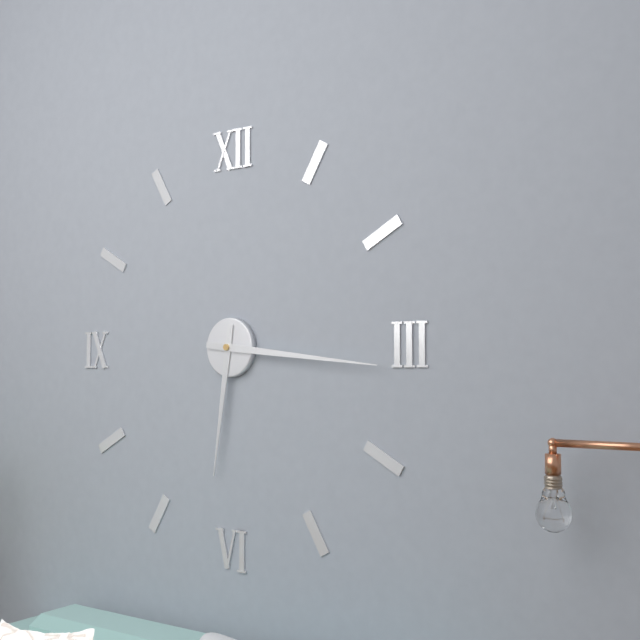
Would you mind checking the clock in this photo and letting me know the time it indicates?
6:16
